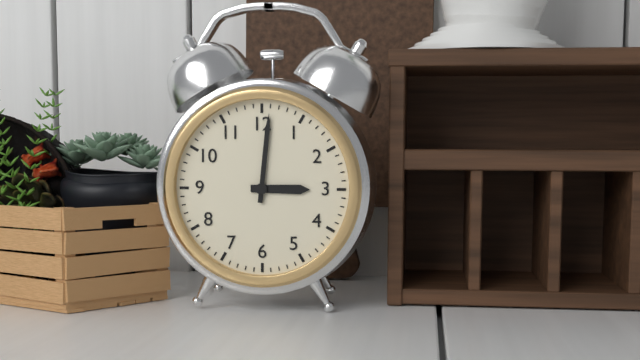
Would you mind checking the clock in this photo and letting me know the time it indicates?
3:01
